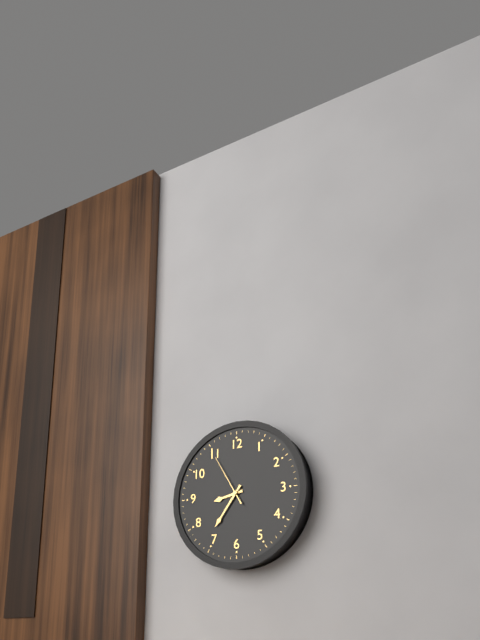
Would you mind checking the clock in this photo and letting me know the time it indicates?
8:36:55
